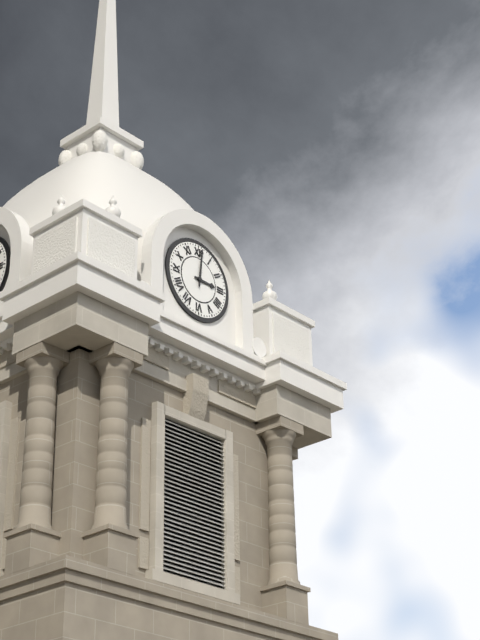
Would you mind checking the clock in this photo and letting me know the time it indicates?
3:01
